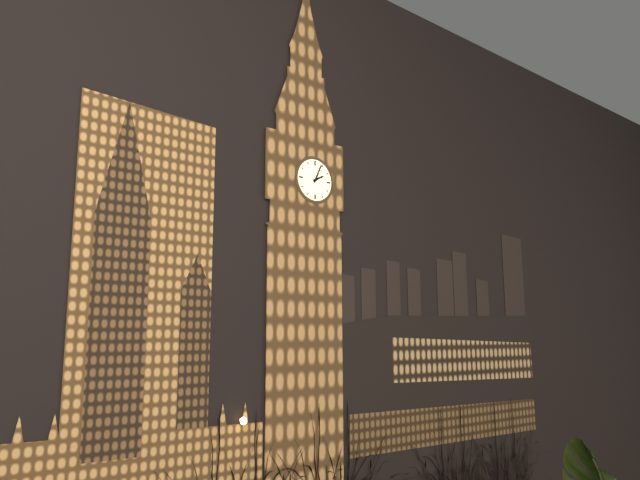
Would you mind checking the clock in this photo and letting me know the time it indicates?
2:04
